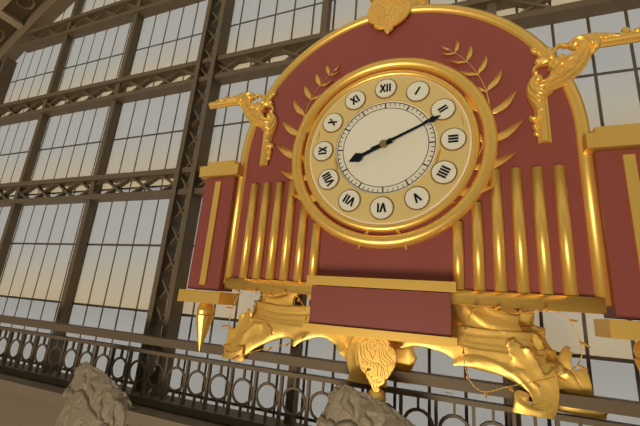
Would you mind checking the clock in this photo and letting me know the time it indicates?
8:11
